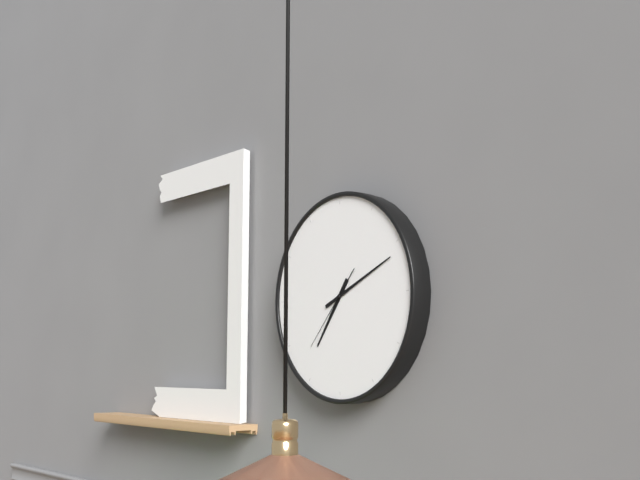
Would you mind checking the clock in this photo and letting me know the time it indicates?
7:11:37
